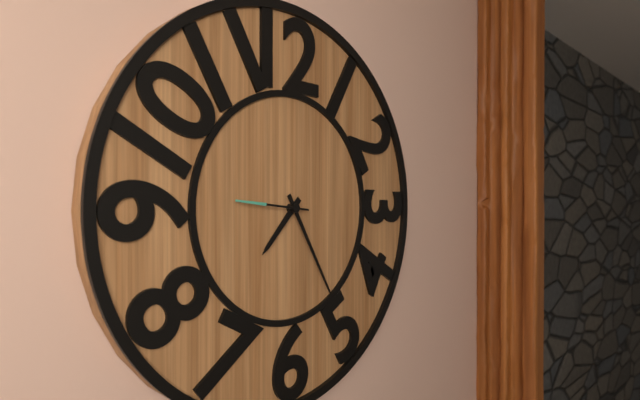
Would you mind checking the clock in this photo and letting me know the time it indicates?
7:25:46
